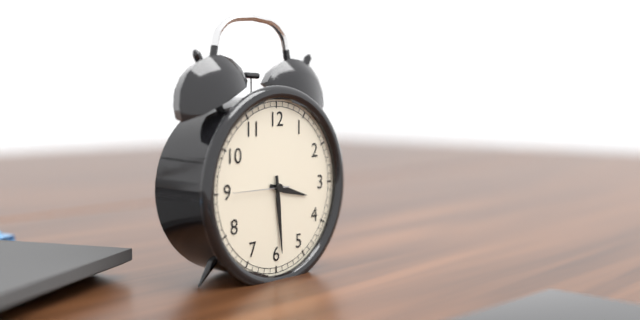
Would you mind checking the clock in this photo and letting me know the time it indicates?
3:29:45
